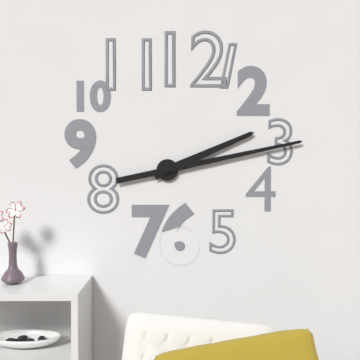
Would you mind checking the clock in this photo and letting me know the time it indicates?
2:13
